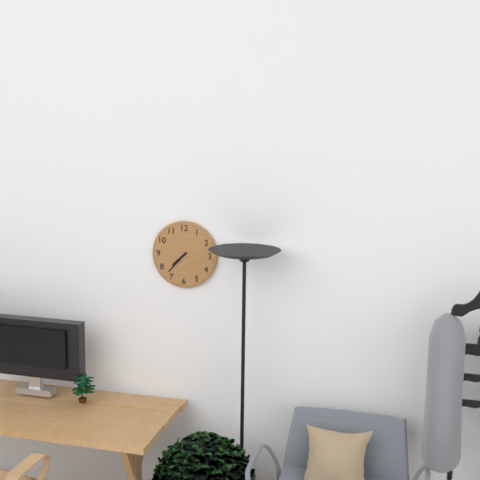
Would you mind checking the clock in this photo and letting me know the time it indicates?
7:37
